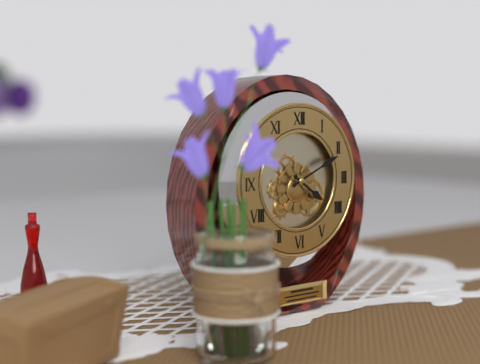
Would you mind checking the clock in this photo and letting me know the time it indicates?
4:11
